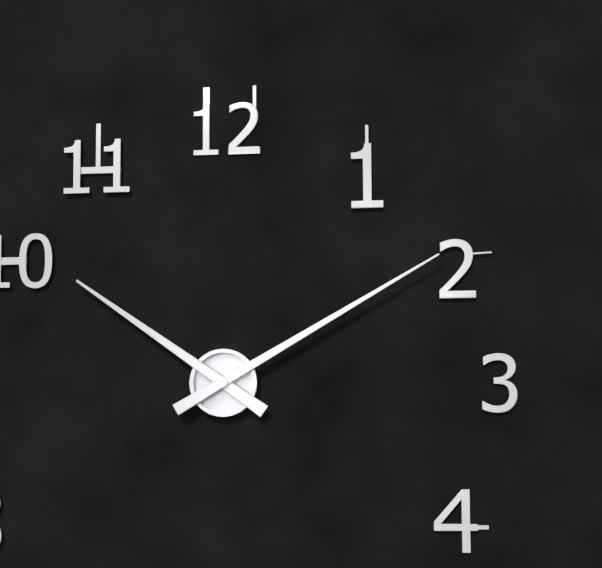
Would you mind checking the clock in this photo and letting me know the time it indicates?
10:10
